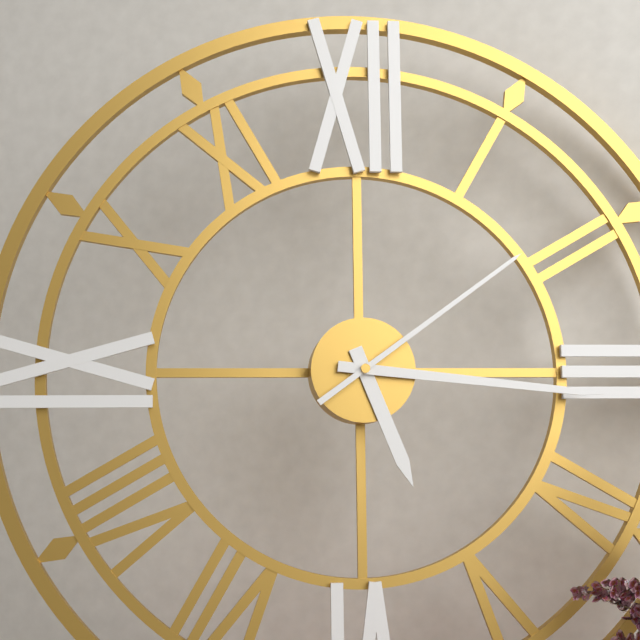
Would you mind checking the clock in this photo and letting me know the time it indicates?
5:16:09
